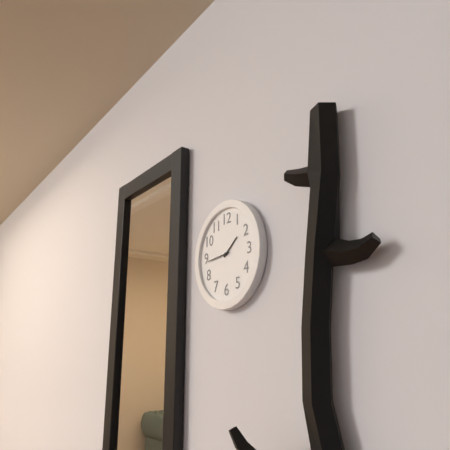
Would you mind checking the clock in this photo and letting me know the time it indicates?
1:44
